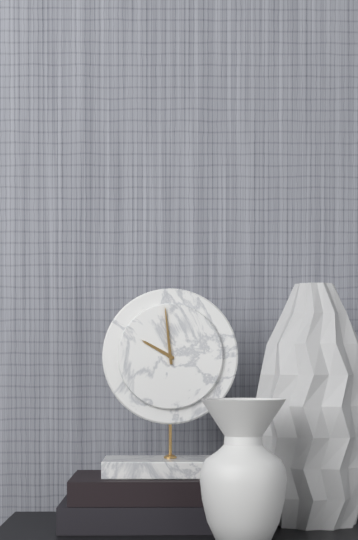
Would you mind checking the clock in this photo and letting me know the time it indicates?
9:59
